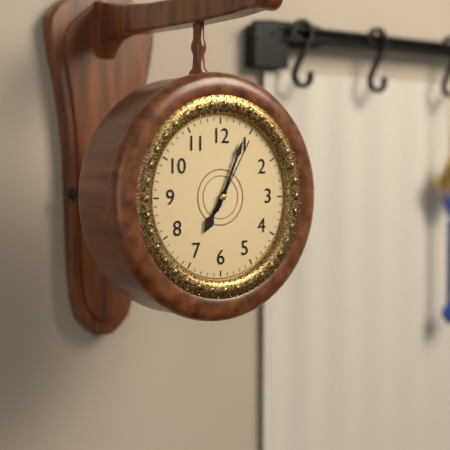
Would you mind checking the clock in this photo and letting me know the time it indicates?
7:04:05
